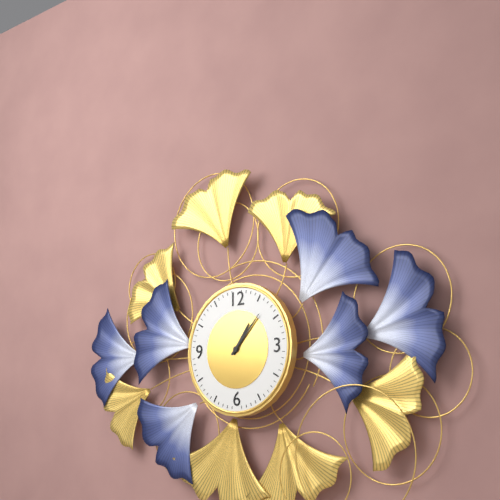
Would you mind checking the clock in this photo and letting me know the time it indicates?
1:07
